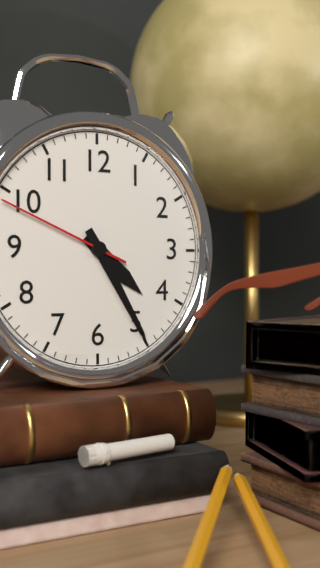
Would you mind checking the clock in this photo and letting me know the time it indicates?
4:25:49
